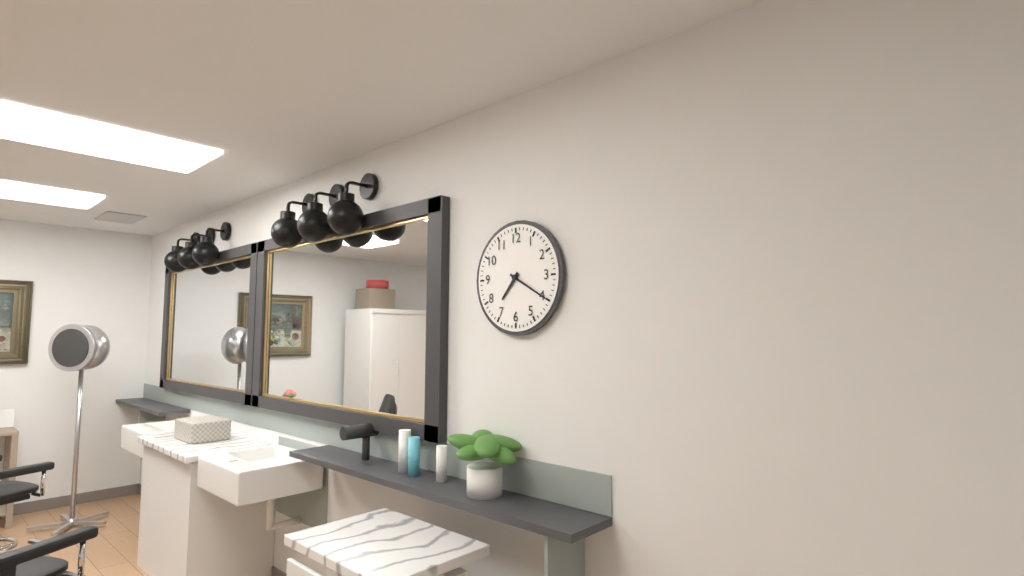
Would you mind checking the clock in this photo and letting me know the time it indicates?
7:20
